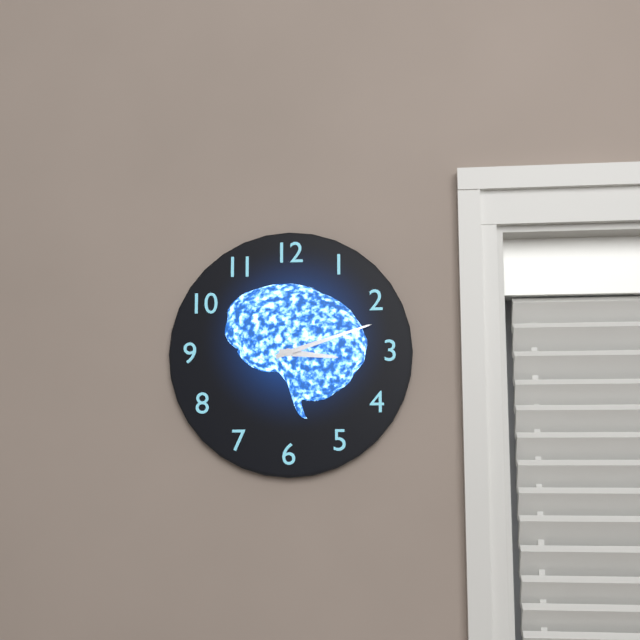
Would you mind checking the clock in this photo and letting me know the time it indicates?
3:12
